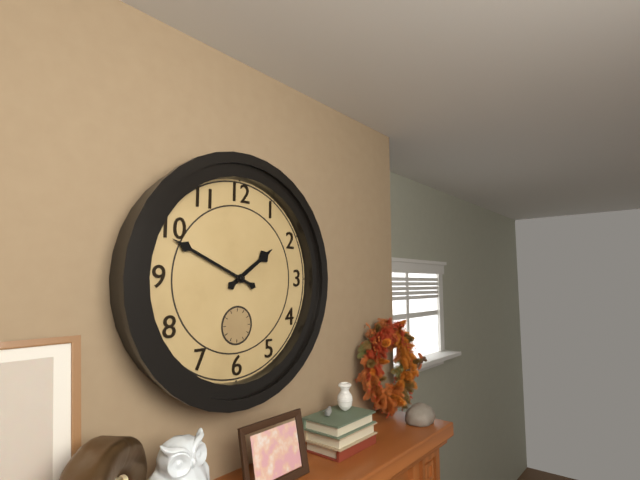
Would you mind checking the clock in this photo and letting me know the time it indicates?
1:49
